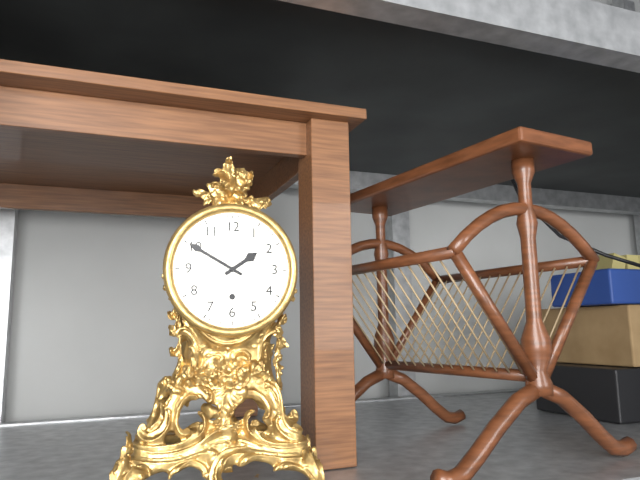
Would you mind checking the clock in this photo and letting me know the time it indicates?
1:50
